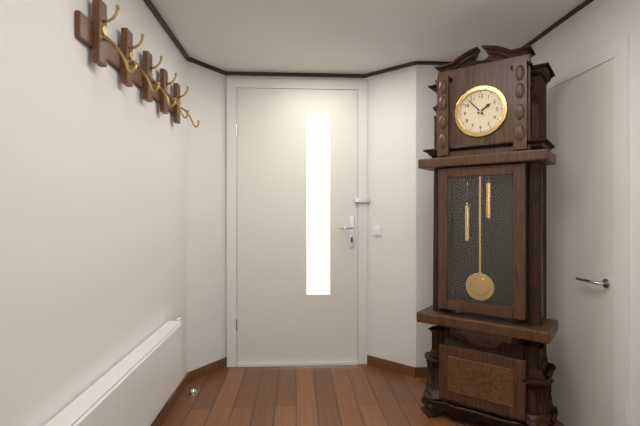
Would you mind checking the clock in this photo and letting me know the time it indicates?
1:53
